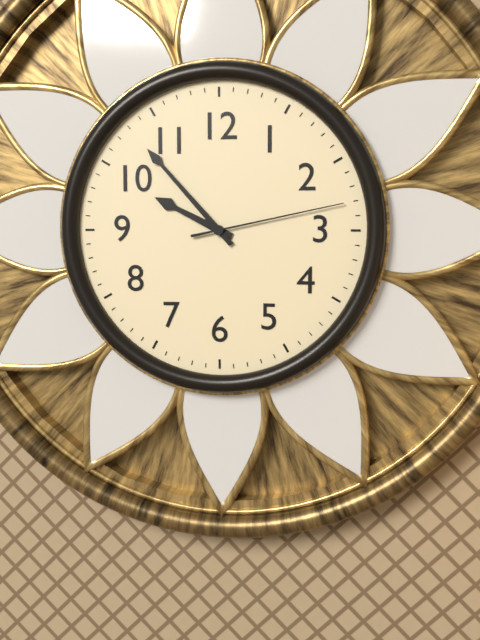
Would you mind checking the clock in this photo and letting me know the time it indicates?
9:53:13
